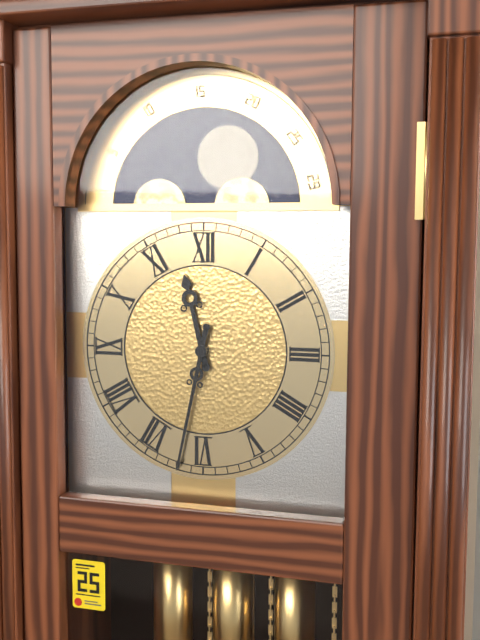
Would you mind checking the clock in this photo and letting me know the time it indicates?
11:32
